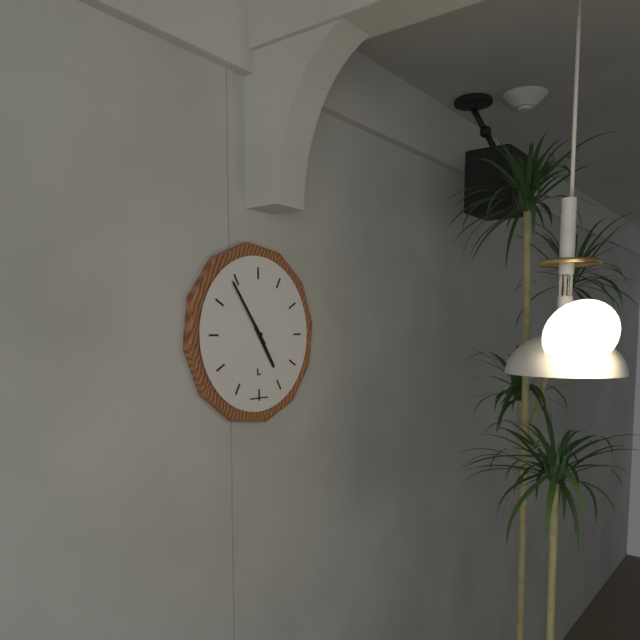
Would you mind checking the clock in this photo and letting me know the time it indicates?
4:54
